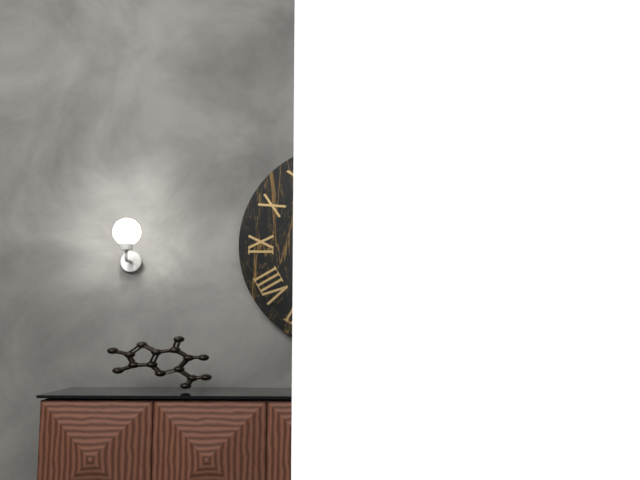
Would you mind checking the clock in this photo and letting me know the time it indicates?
1:54
